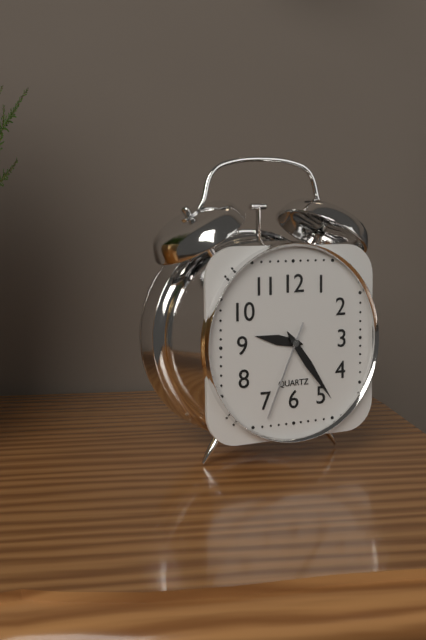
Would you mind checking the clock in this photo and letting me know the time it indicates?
9:24:34
